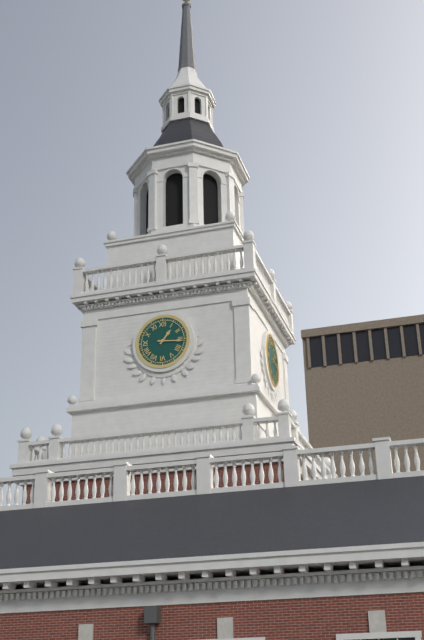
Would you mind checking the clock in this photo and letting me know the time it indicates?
1:16
